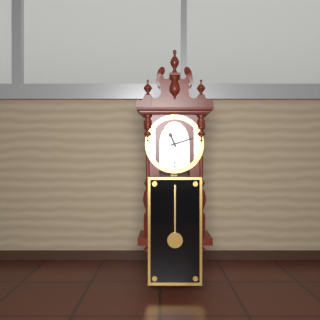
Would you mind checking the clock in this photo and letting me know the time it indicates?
11:12
